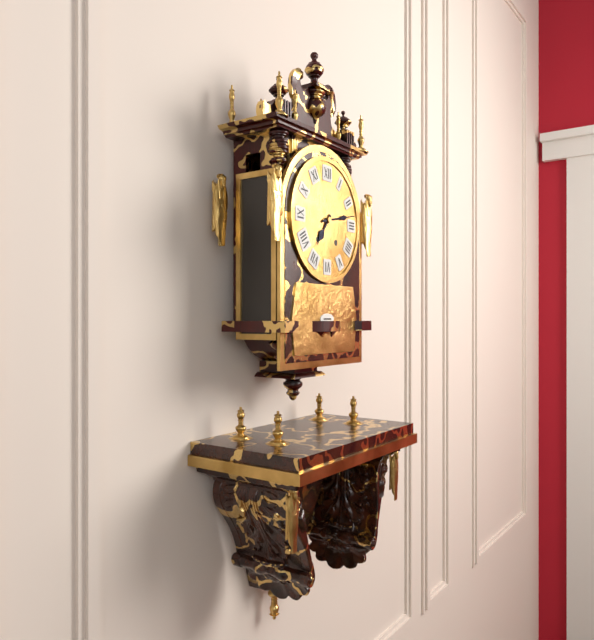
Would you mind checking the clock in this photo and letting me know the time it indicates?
7:13
